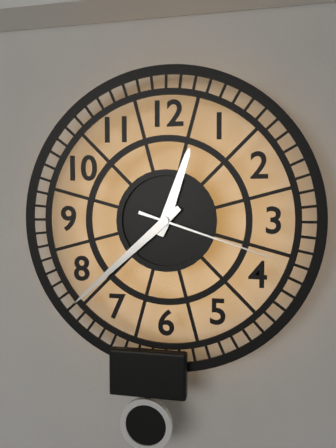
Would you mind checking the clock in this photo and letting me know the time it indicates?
12:38:18
